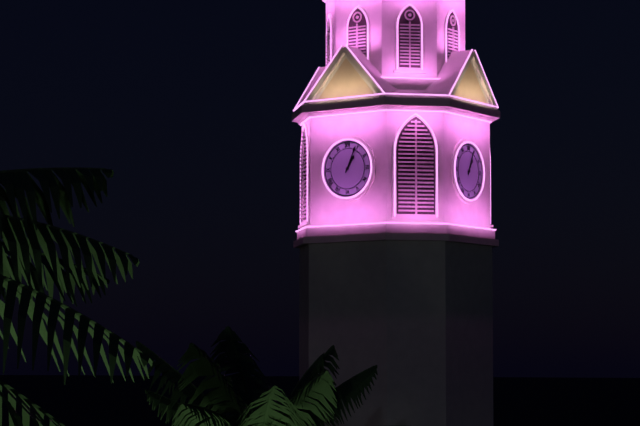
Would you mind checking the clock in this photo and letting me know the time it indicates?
1:04
